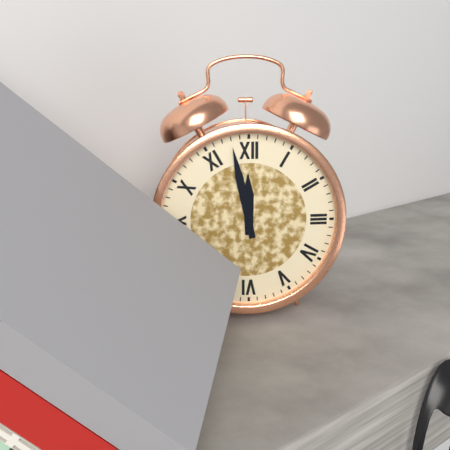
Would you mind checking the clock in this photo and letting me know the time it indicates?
11:58
